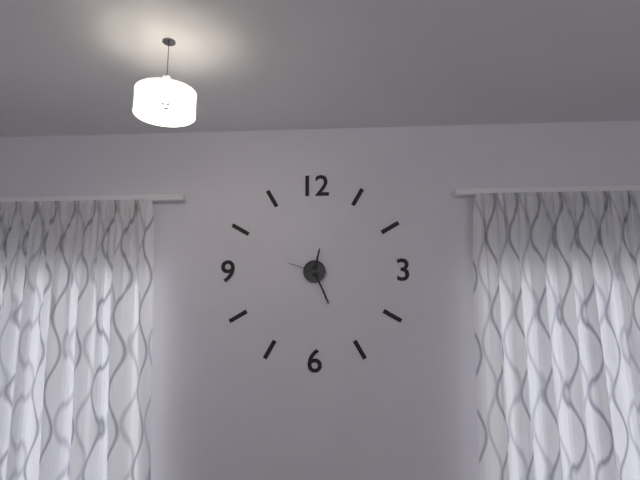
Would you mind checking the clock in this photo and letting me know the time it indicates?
12:26
